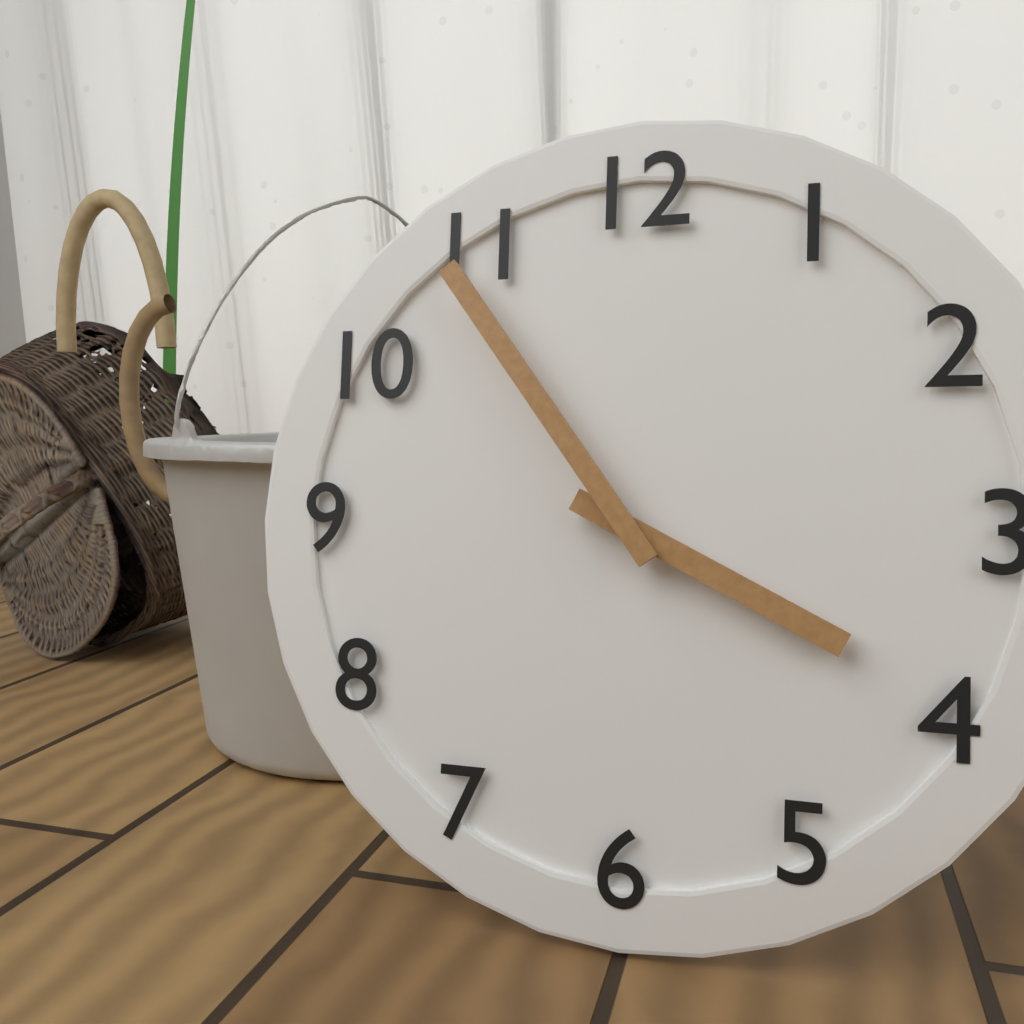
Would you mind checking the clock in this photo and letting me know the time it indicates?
3:54
